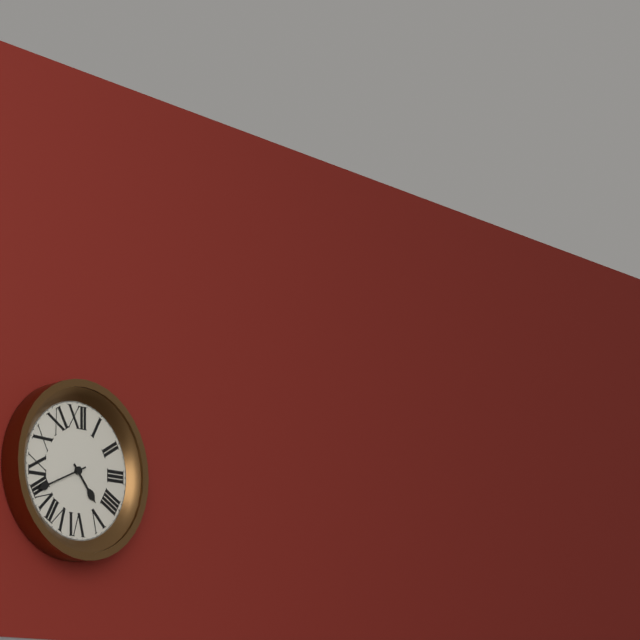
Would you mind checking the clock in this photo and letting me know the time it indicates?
4:41
